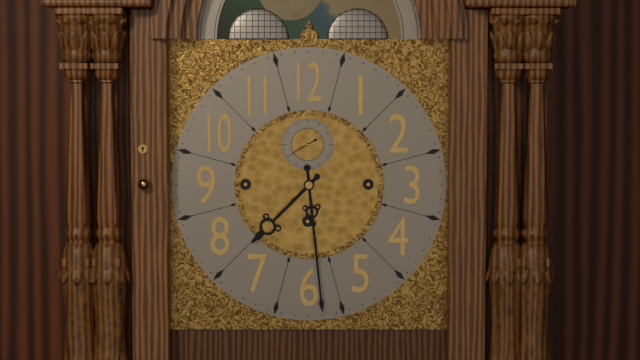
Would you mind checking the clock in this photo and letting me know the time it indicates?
7:29
